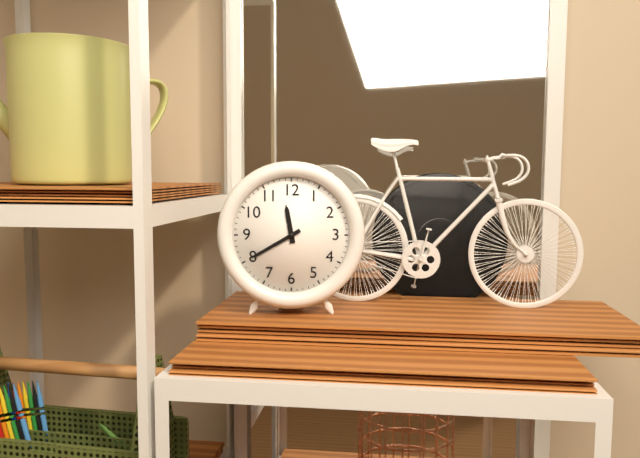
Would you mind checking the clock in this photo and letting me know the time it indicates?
11:40
